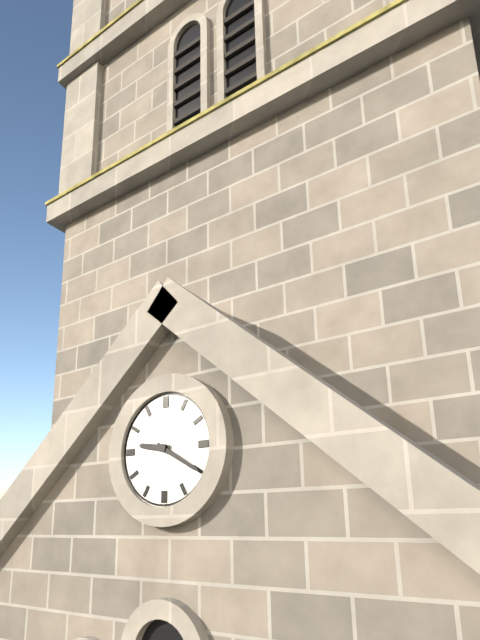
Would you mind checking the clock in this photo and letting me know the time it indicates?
9:20
